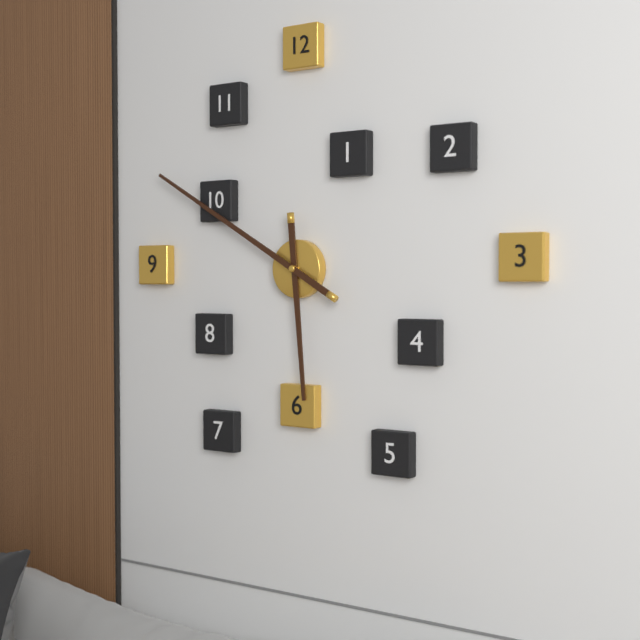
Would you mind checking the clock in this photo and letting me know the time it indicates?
5:50
